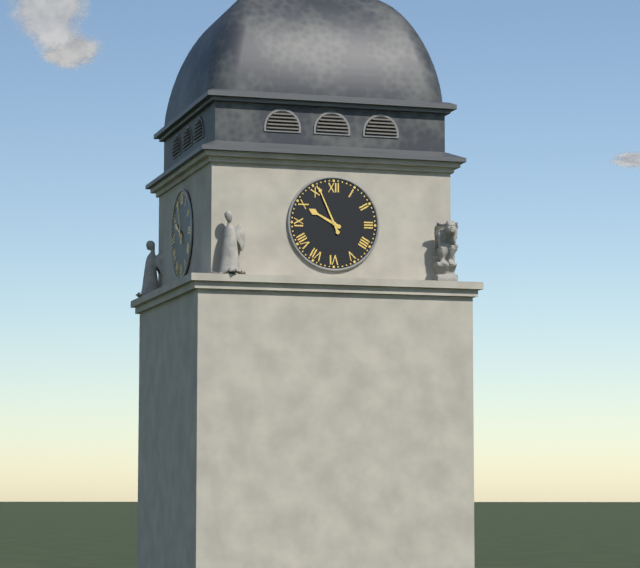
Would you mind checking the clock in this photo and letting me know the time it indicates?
9:56
